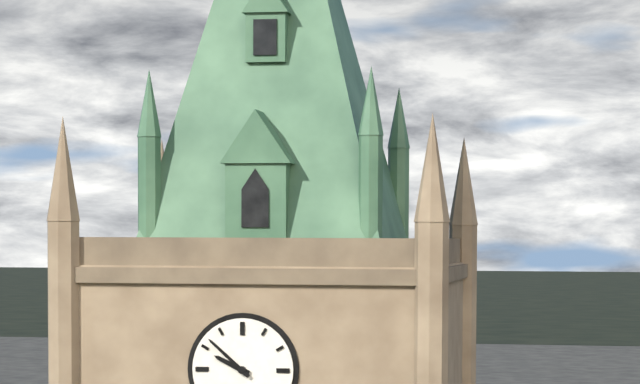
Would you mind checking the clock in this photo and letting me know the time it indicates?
9:52
